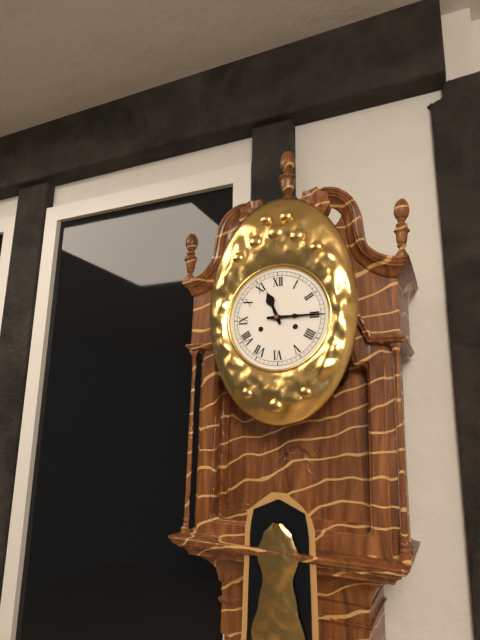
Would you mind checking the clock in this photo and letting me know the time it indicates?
11:15
